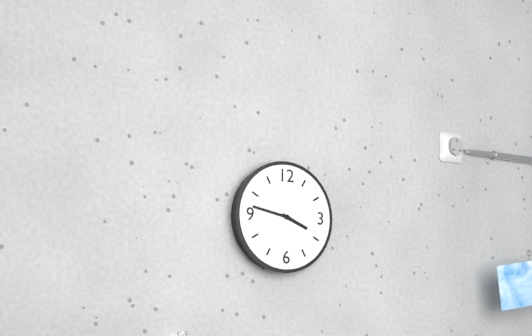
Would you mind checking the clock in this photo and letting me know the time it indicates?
3:47
